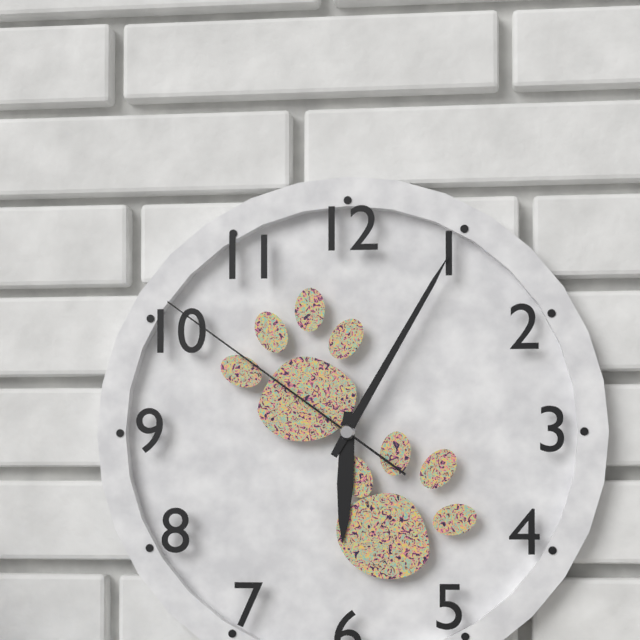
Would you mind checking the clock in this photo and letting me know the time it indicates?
6:05:51
